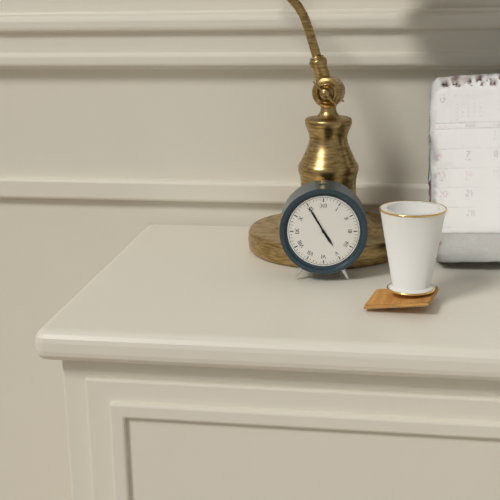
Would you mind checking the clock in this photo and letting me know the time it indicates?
4:55
